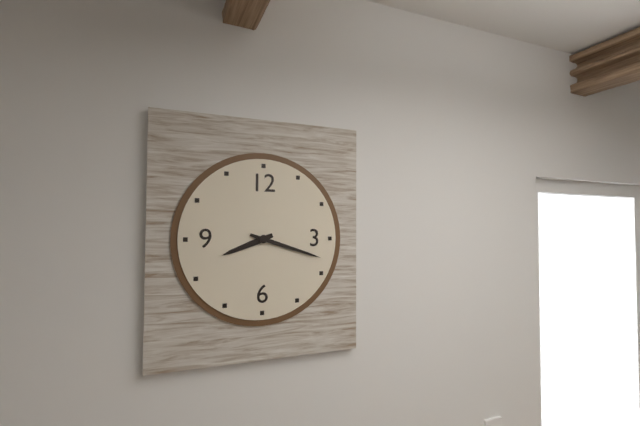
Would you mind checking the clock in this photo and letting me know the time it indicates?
8:18
